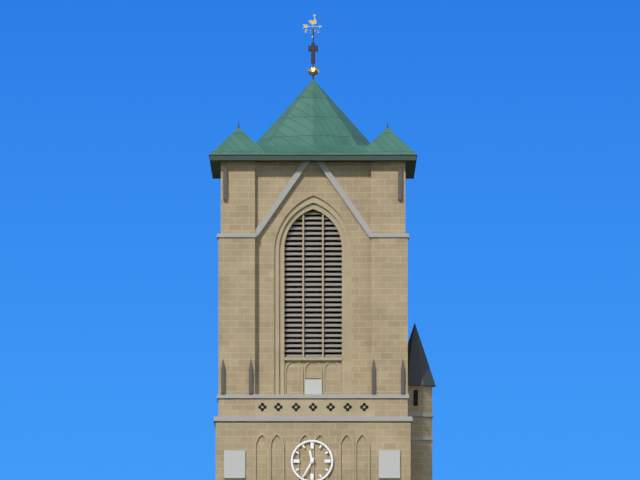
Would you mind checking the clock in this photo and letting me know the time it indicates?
11:35
